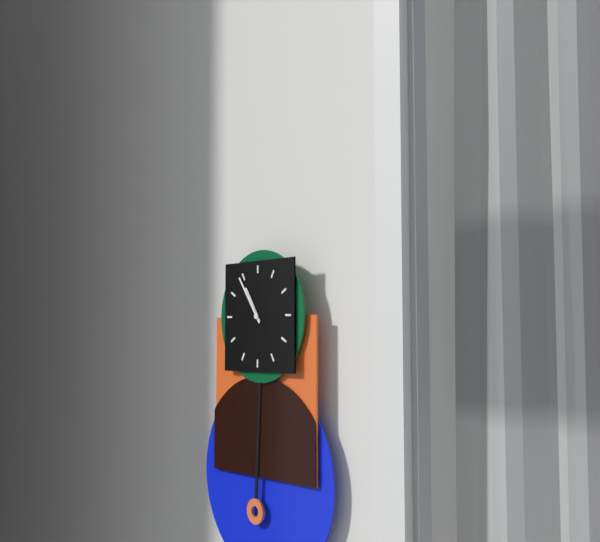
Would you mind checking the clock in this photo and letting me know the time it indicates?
10:54
